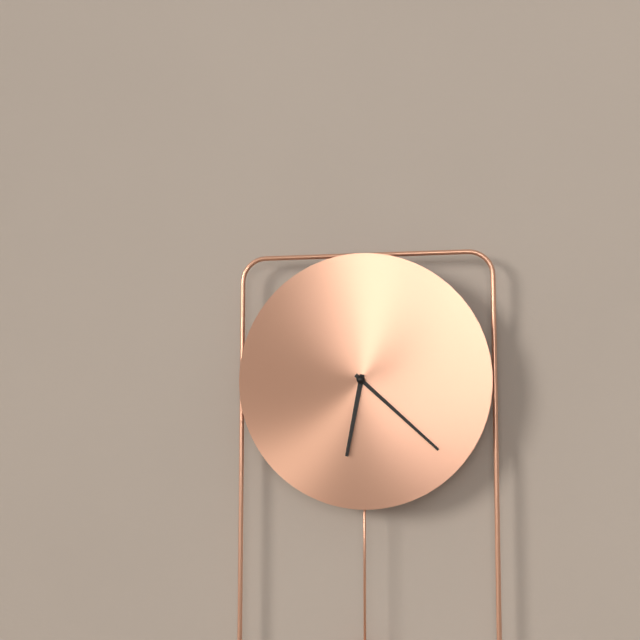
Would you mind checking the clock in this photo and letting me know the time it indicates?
6:22
